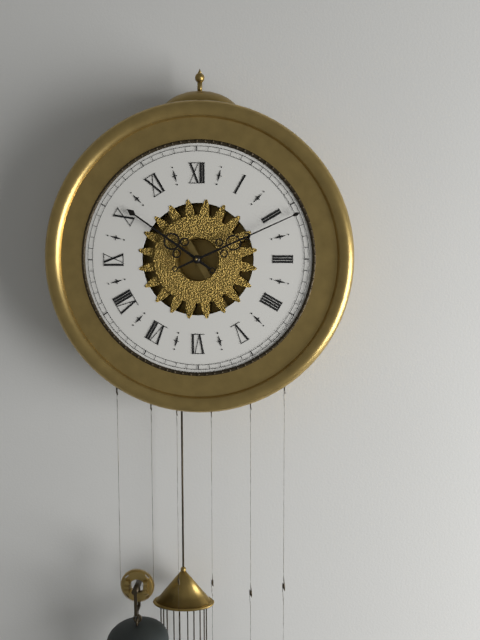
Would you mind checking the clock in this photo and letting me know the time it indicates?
10:11
